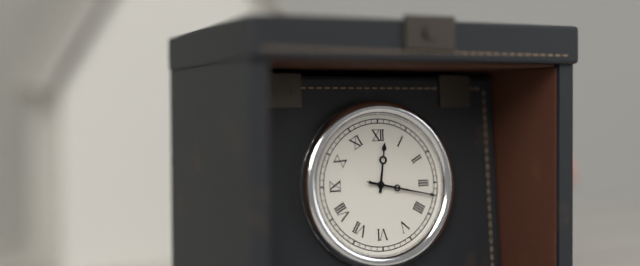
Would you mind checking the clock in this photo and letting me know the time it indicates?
12:17:17
